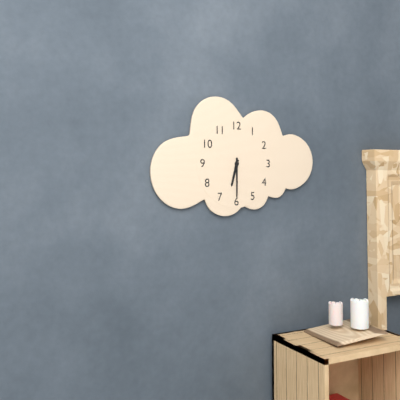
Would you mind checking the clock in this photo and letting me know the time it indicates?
6:30
